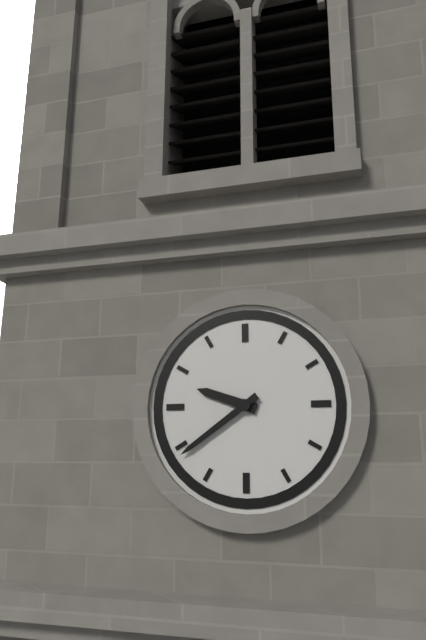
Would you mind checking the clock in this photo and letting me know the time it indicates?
9:39
